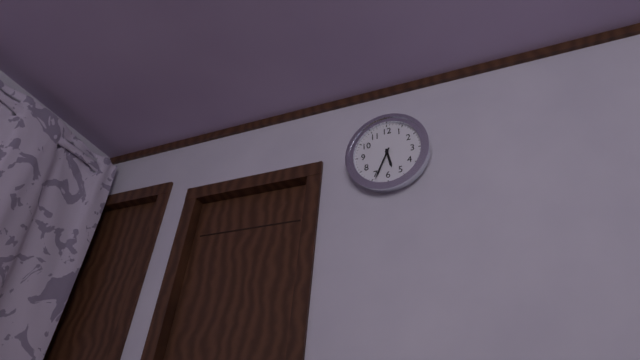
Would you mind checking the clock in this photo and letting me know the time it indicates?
5:34
